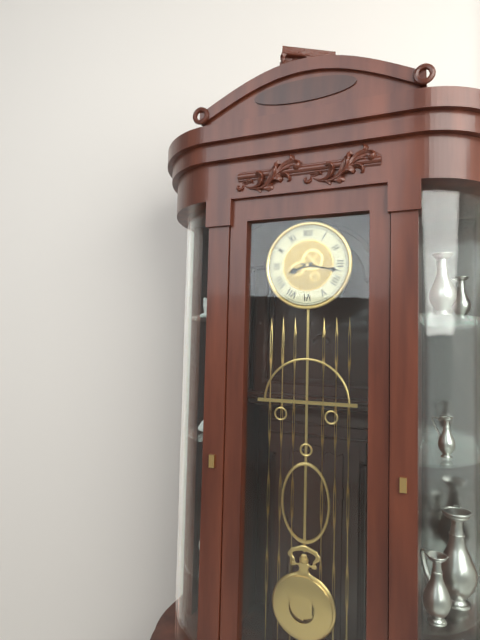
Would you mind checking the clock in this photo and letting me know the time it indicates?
8:17
